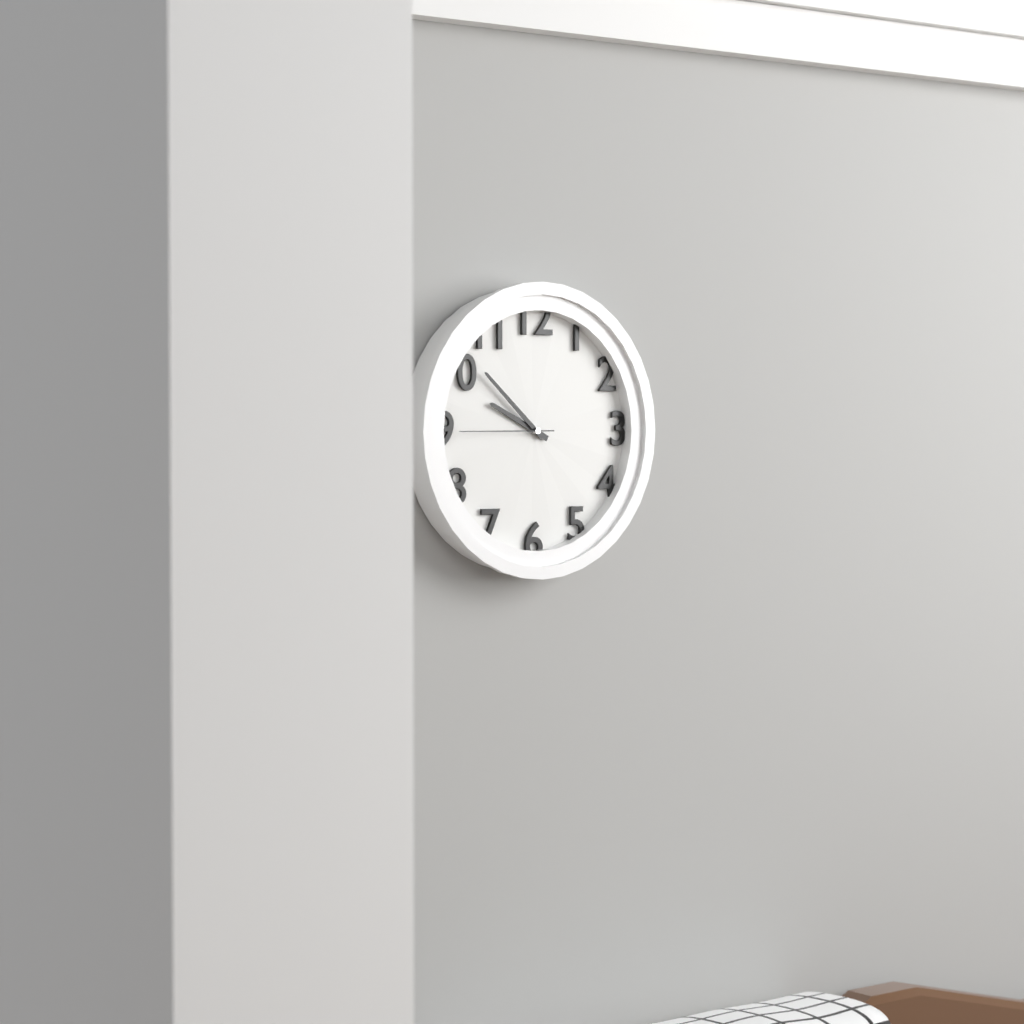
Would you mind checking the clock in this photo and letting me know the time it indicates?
9:52:45
